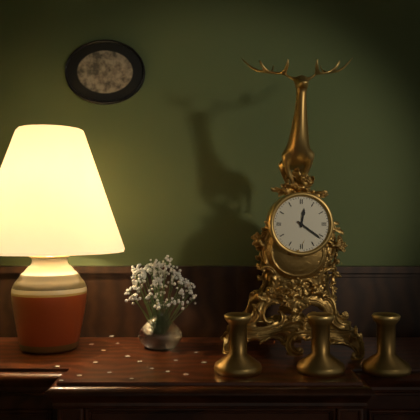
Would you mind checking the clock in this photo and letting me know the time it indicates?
12:21
